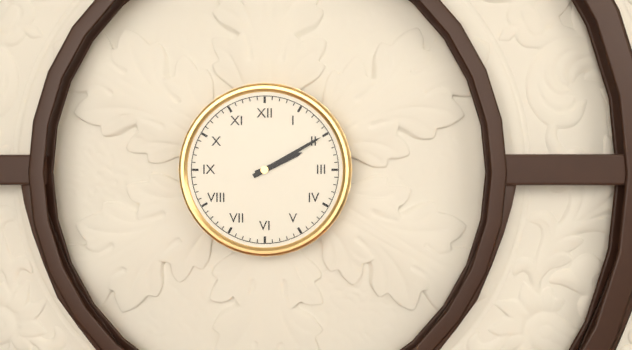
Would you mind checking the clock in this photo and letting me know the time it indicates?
2:10
